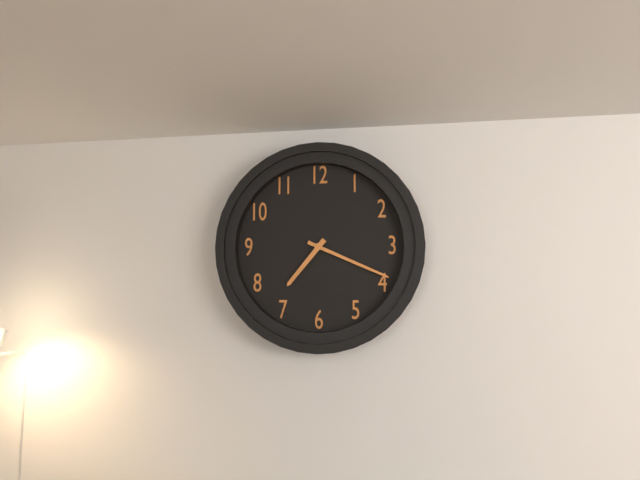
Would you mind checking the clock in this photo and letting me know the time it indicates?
7:19
